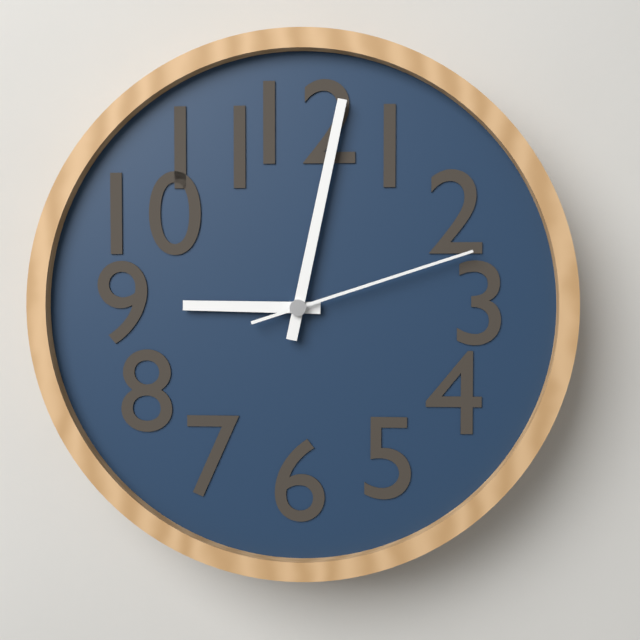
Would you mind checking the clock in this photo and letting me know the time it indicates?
9:02:12
